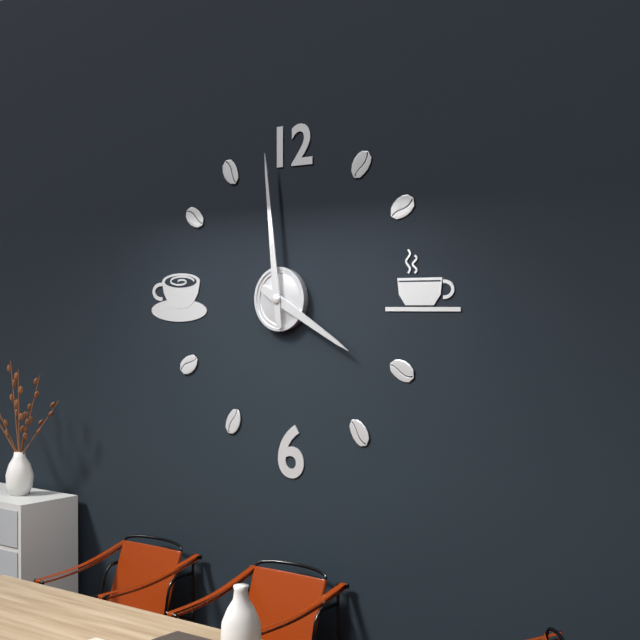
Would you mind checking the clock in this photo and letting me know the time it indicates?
3:59
